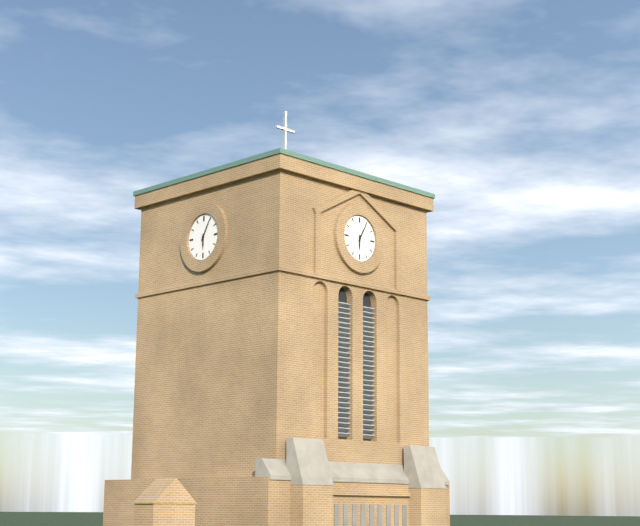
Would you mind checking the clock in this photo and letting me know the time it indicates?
6:05
